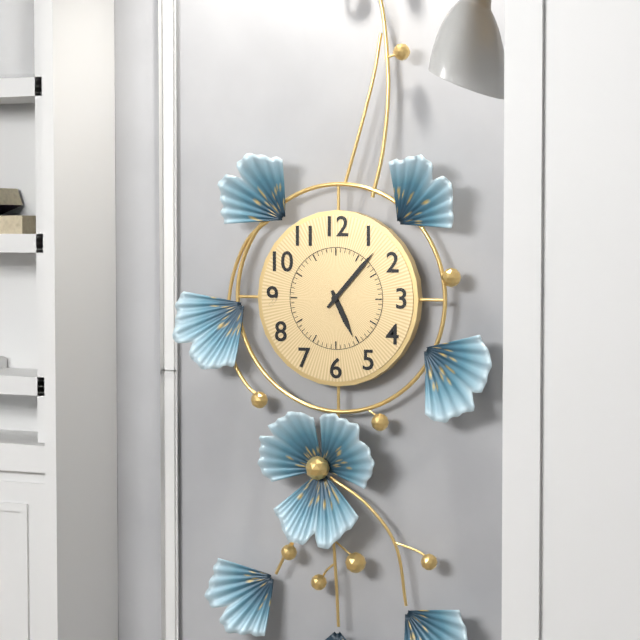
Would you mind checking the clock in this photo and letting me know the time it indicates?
5:07
